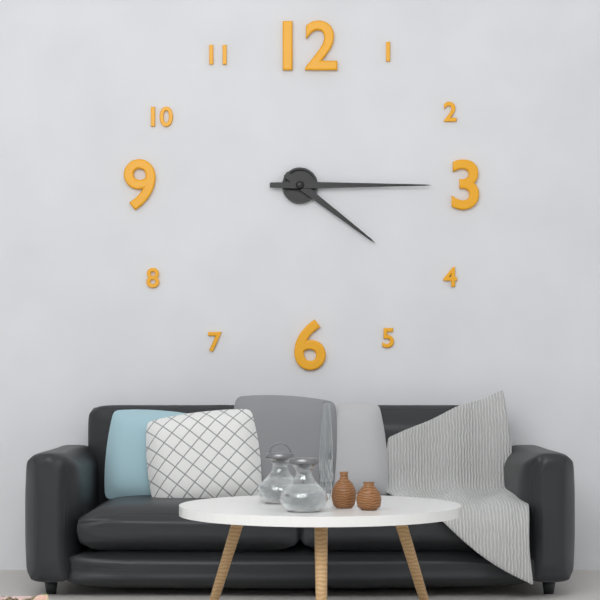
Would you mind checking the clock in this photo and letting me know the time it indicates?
4:15
